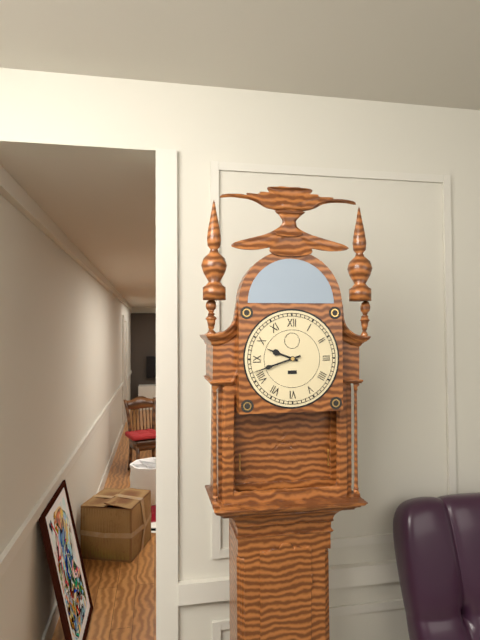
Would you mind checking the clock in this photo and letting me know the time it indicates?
9:42
